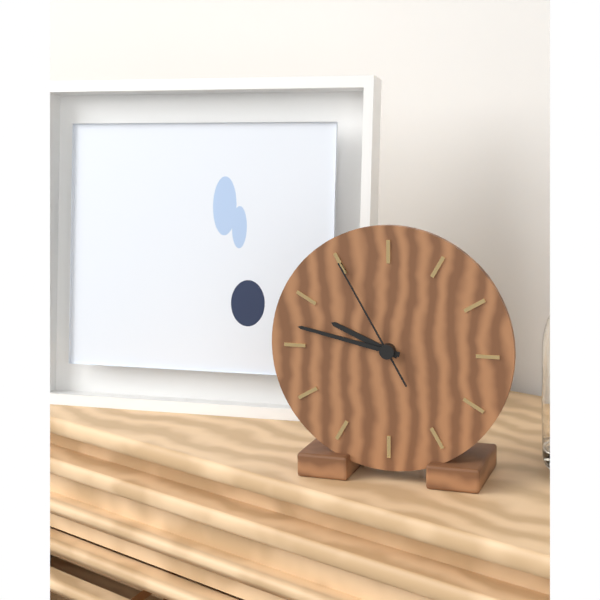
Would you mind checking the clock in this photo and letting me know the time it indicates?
9:47:55
